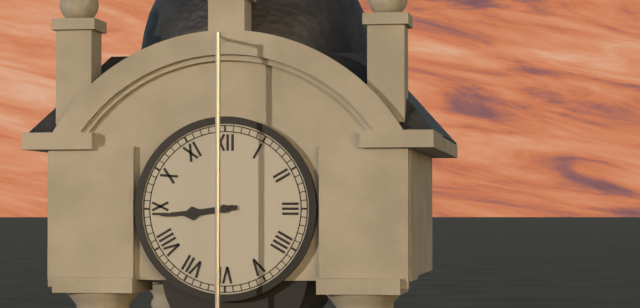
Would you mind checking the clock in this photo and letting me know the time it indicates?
8:44
